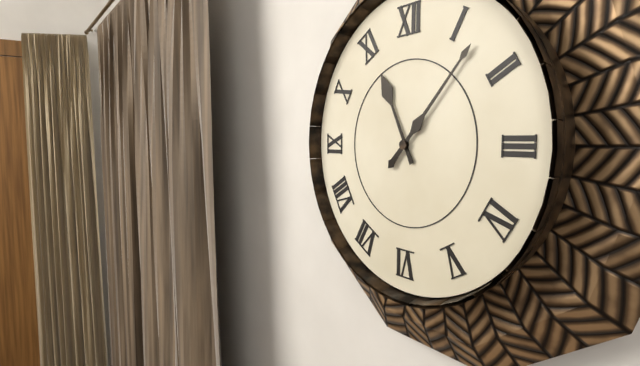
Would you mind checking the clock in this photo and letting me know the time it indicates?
11:07
